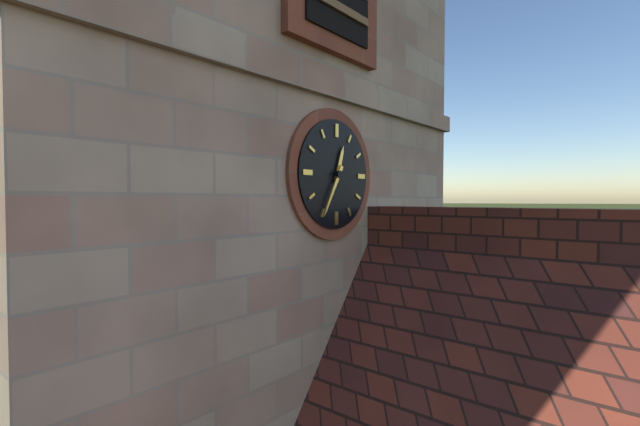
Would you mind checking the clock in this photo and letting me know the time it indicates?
12:35
